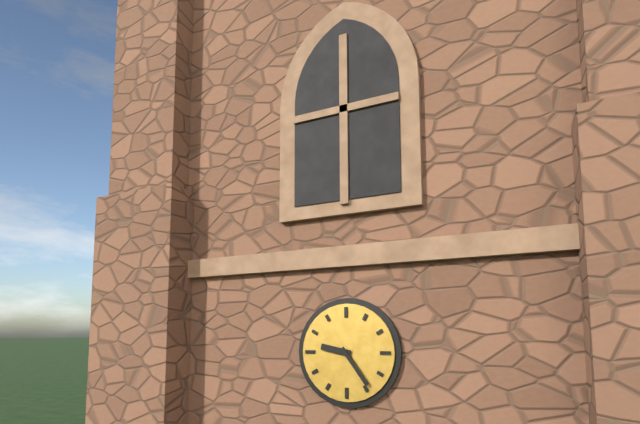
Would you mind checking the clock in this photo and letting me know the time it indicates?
9:24
